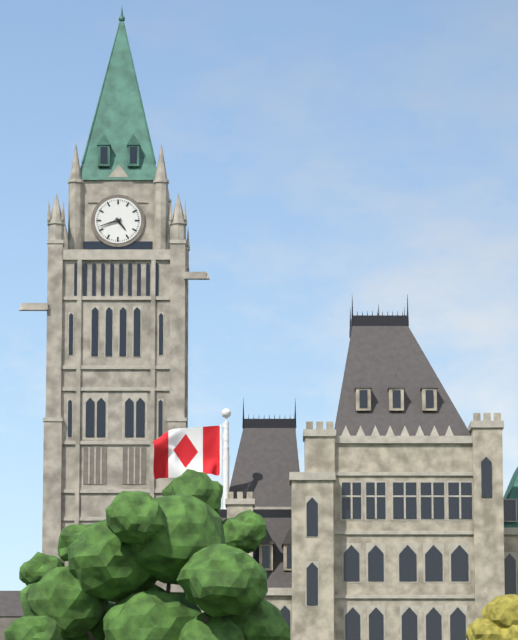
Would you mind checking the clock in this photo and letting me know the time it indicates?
4:42
